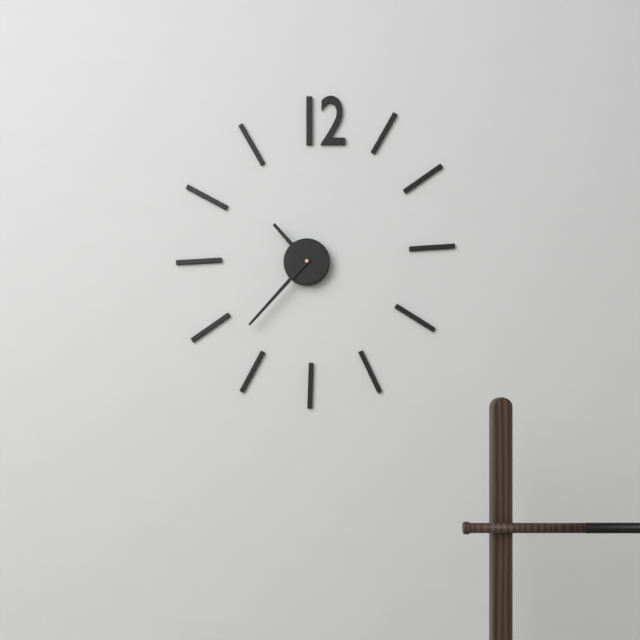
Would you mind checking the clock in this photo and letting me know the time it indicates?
10:37
